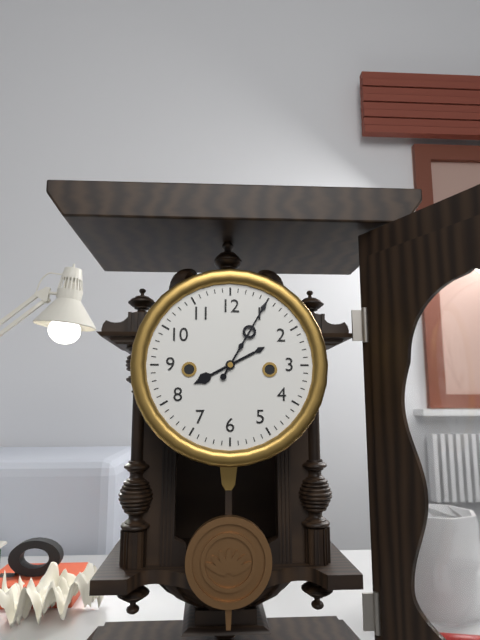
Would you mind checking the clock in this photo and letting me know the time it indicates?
8:05
